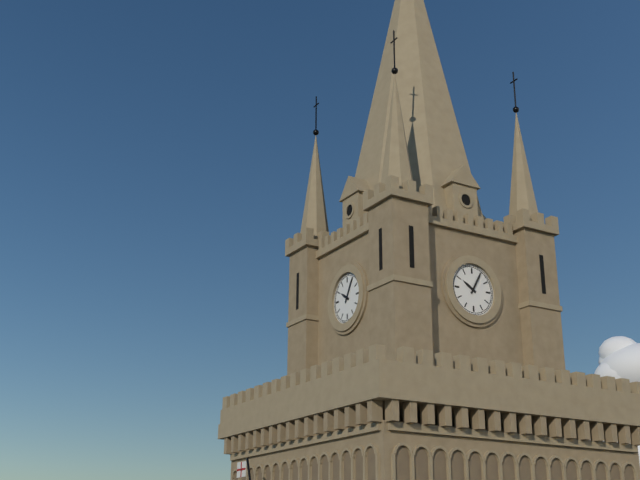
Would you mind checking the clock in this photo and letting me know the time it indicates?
10:05
